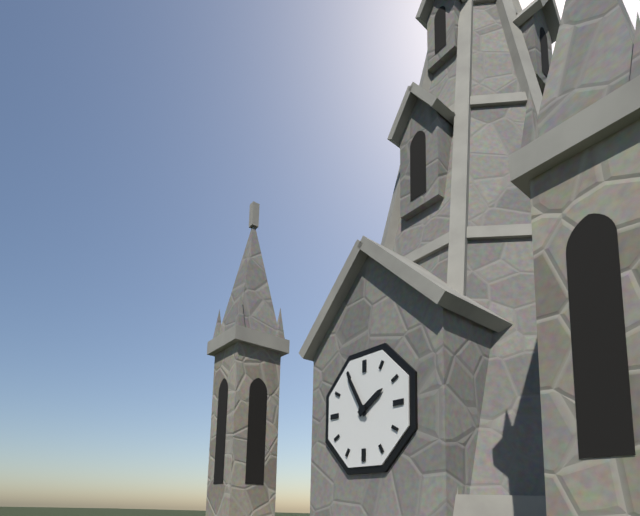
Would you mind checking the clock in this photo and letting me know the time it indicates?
1:55
